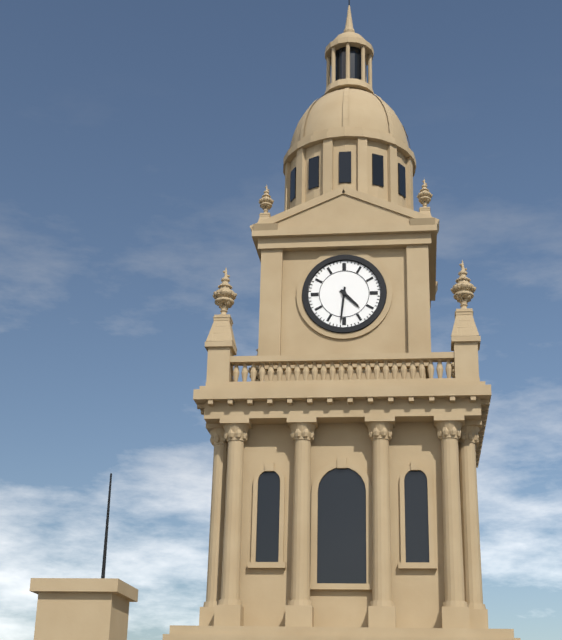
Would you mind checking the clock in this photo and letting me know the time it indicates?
4:31
